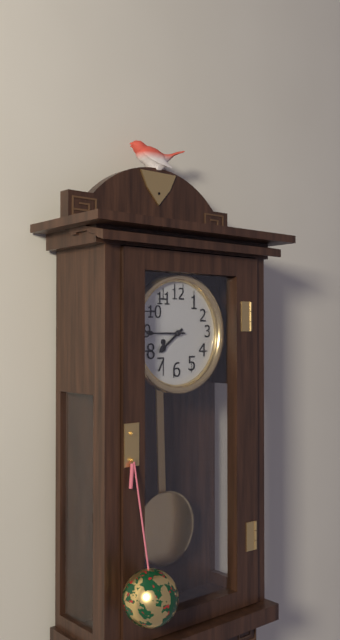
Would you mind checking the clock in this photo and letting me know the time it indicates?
7:45
